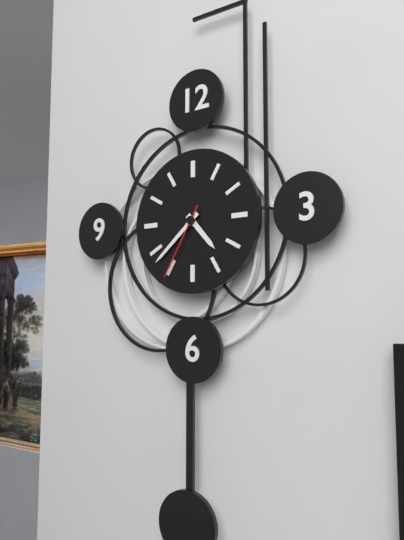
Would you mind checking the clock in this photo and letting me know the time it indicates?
4:38:35
